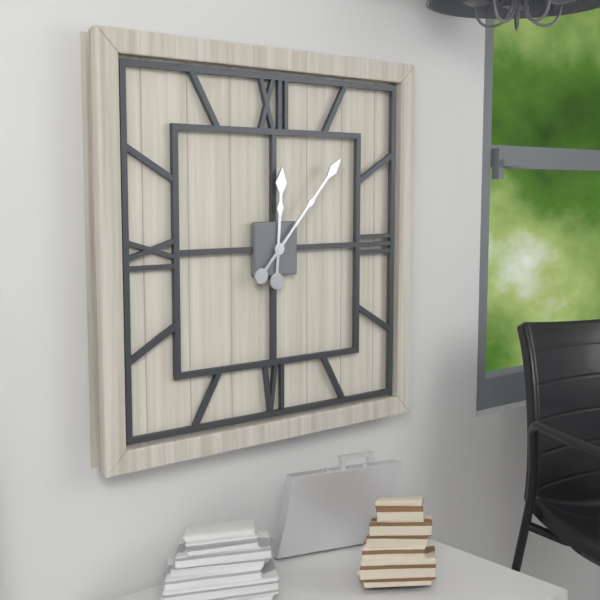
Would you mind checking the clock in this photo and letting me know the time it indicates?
12:07
